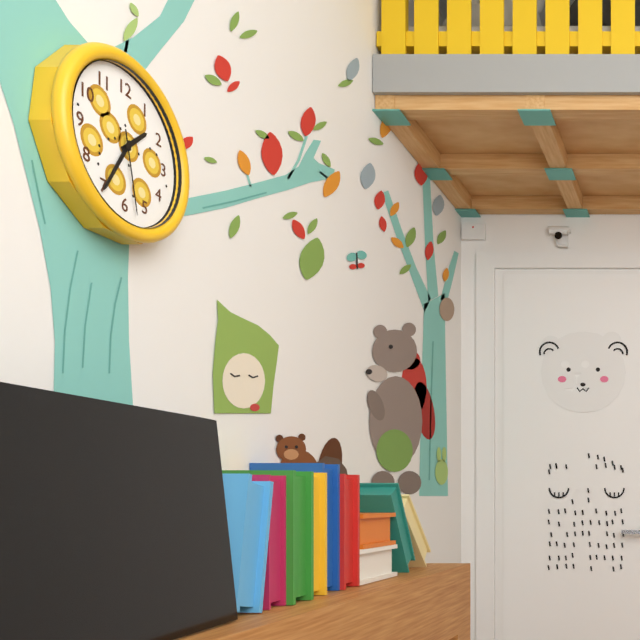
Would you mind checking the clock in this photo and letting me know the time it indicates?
1:35:28
